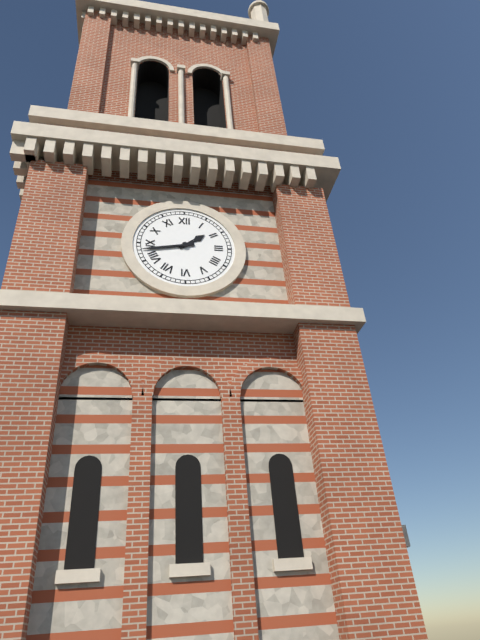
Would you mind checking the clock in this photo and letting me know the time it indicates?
1:43
